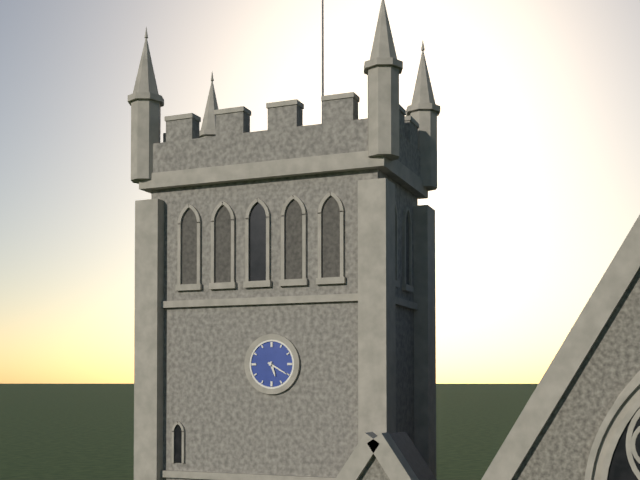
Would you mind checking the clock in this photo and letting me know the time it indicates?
5:20
